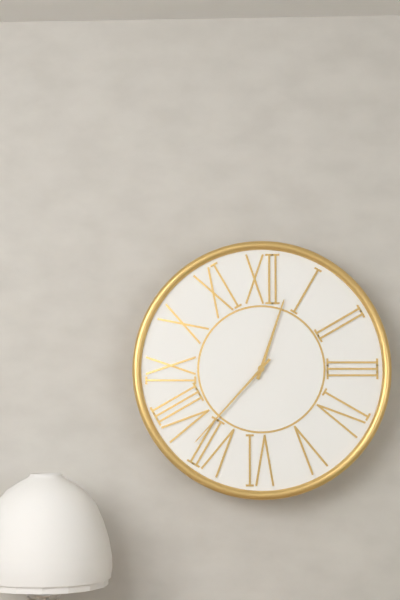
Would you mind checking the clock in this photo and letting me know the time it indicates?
12:37
